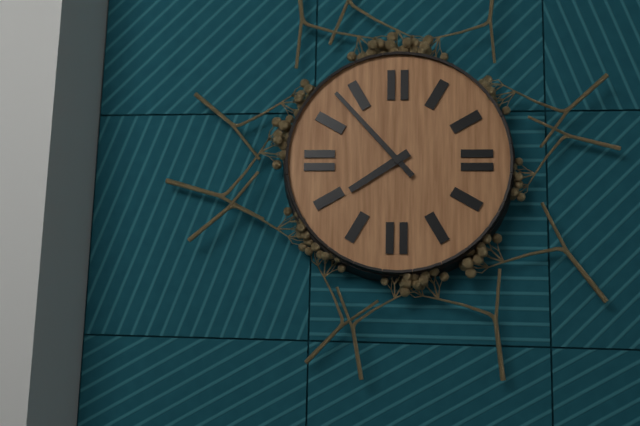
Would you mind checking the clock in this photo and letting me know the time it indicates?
7:53
